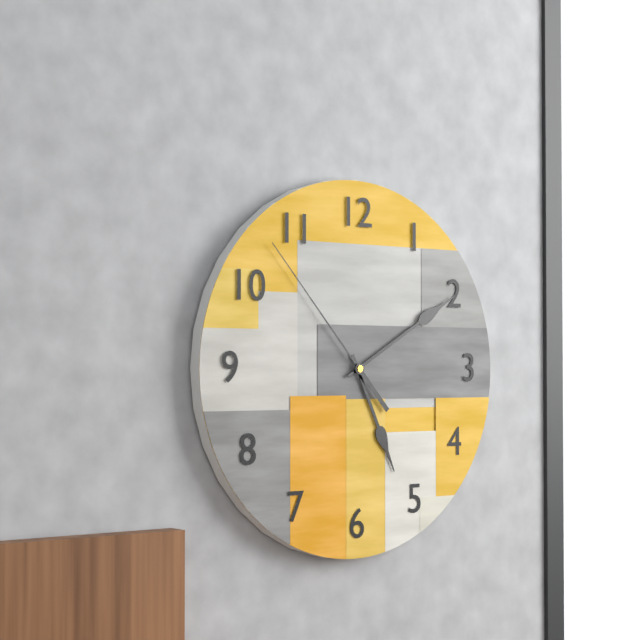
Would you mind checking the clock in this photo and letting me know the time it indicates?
5:10:53
